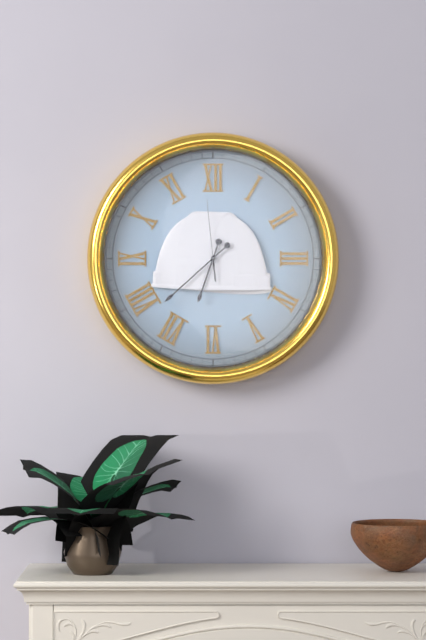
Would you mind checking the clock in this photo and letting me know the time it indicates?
6:38:59
